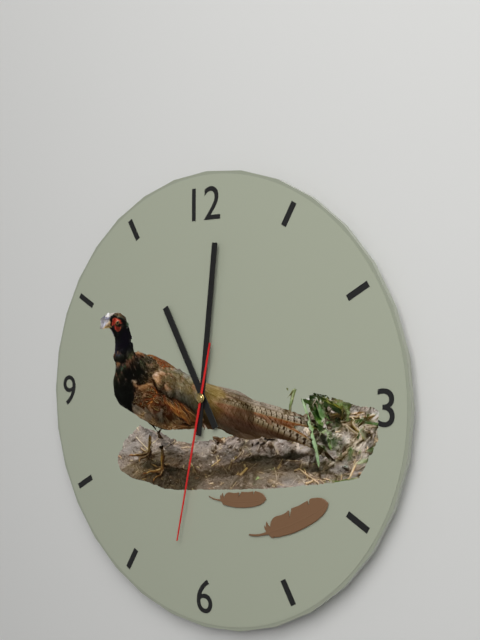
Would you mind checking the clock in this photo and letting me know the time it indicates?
11:01:32
